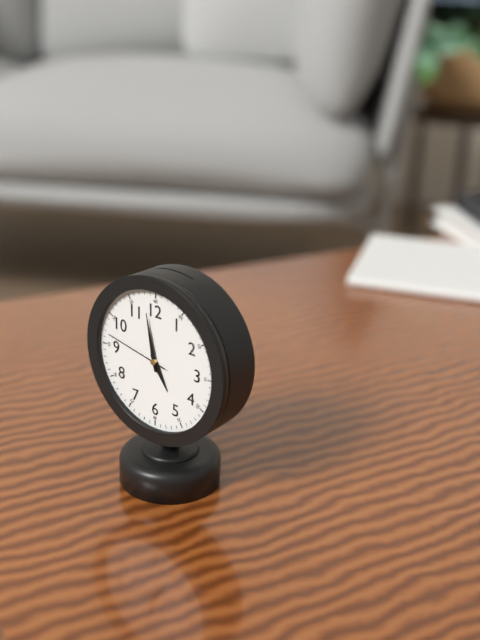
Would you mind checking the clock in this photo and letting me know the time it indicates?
4:58:47
